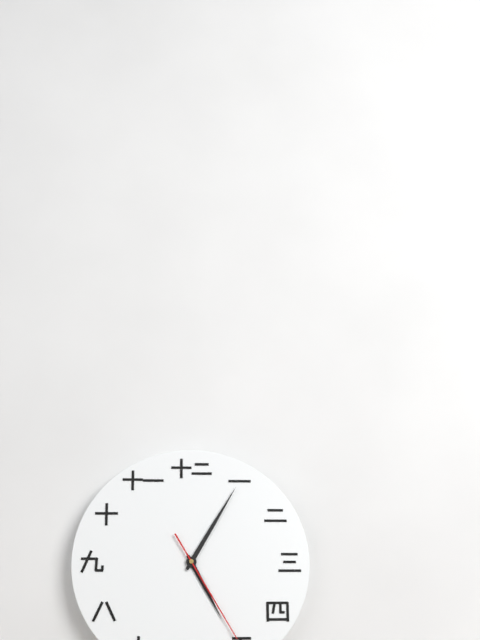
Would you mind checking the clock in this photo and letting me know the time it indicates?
5:05:25
